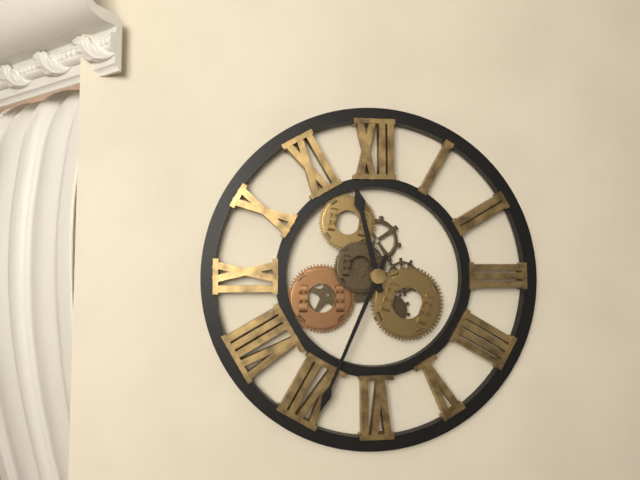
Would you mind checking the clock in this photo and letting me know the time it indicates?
11:34
